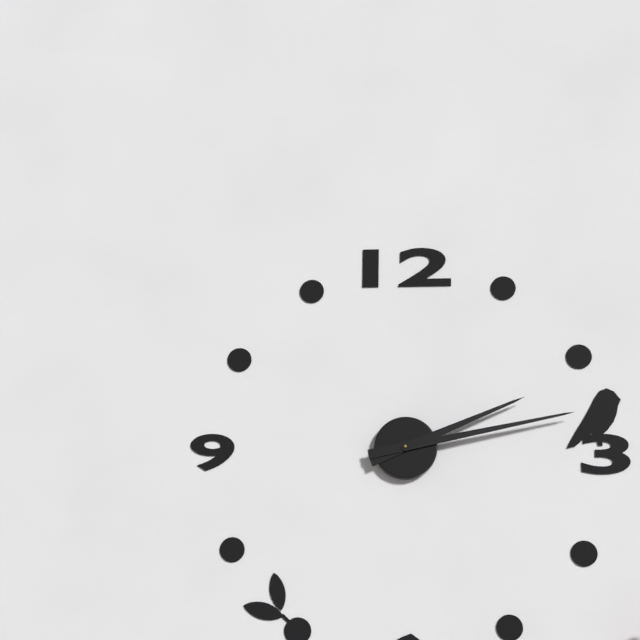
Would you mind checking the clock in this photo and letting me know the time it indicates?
2:13
